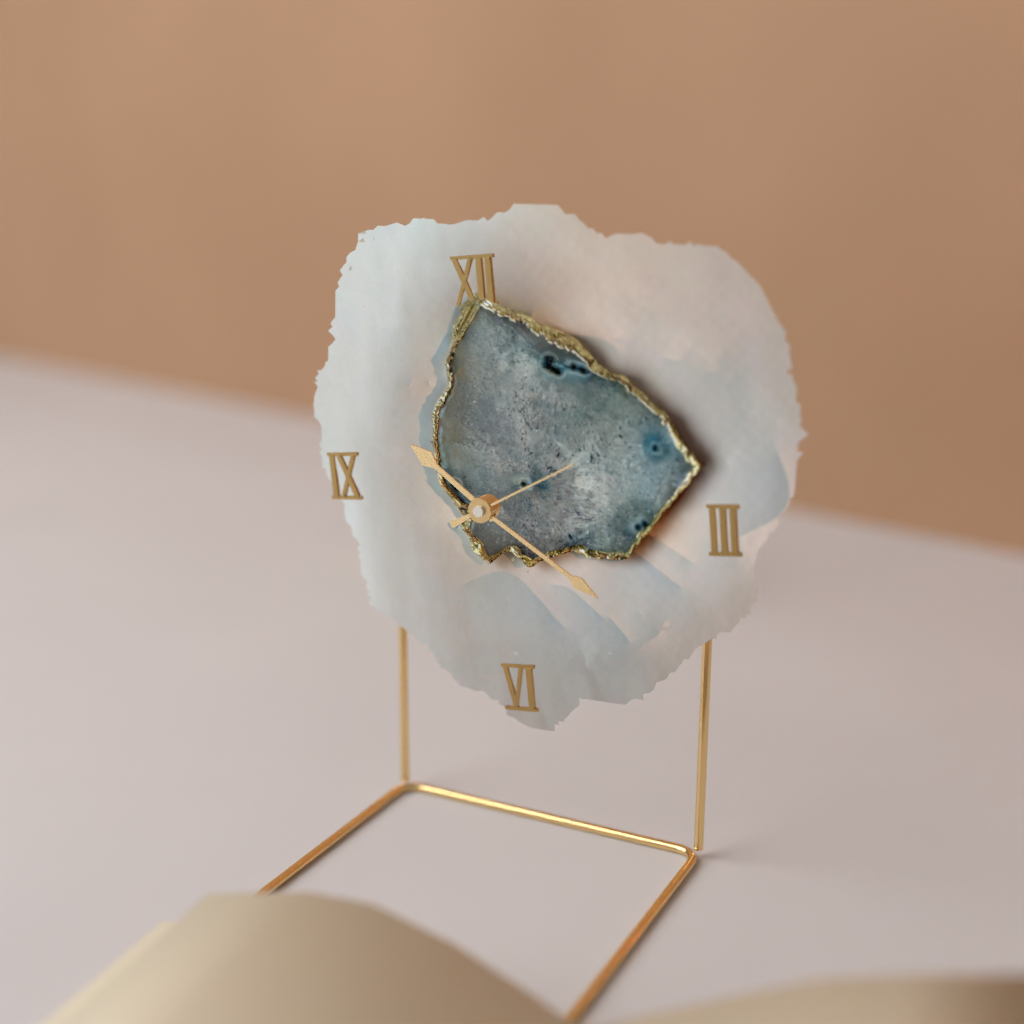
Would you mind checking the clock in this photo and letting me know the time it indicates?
10:21:11
